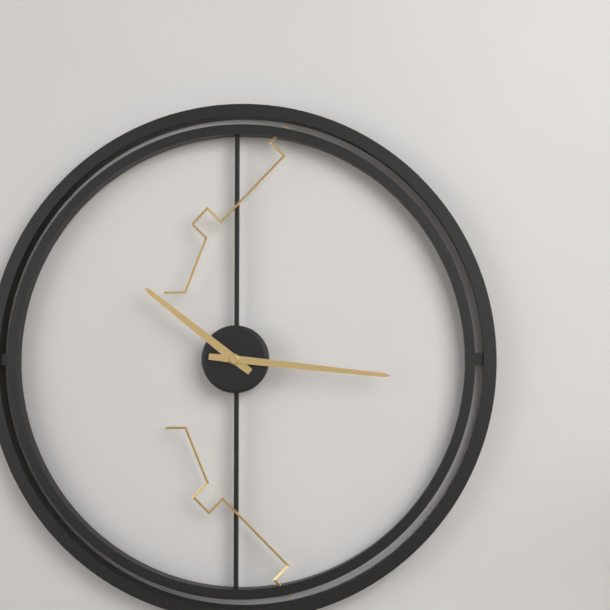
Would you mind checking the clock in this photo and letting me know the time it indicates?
10:16
